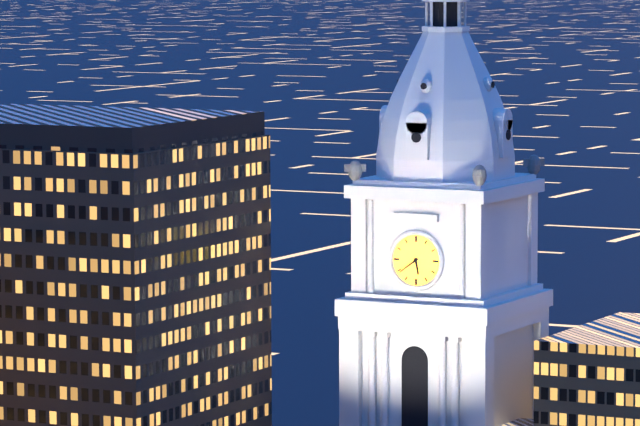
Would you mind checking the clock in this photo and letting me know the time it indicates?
5:39
